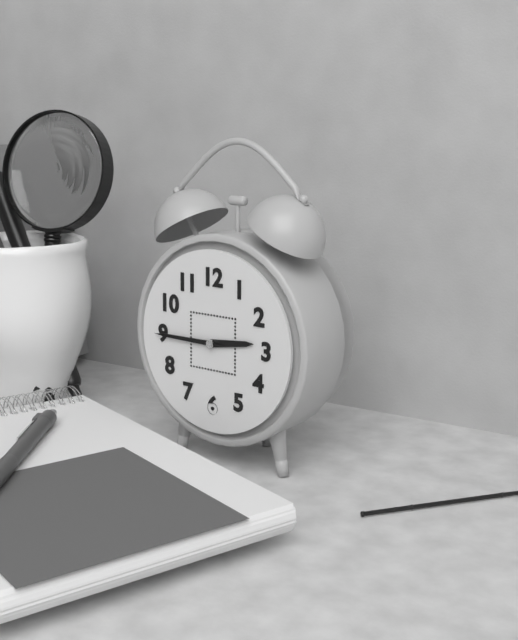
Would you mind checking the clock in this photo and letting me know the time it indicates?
2:45
